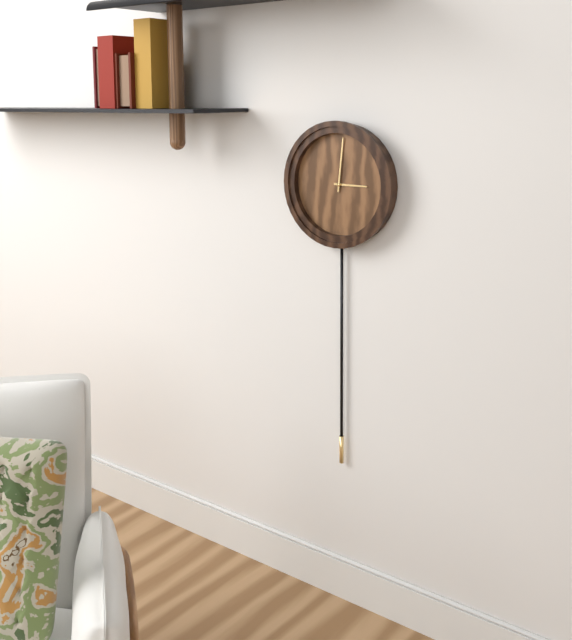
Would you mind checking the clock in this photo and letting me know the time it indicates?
3:01
